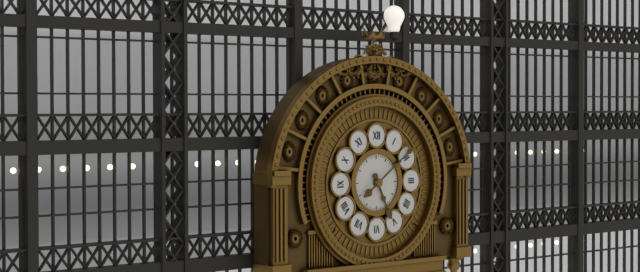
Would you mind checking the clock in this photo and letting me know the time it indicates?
5:09
